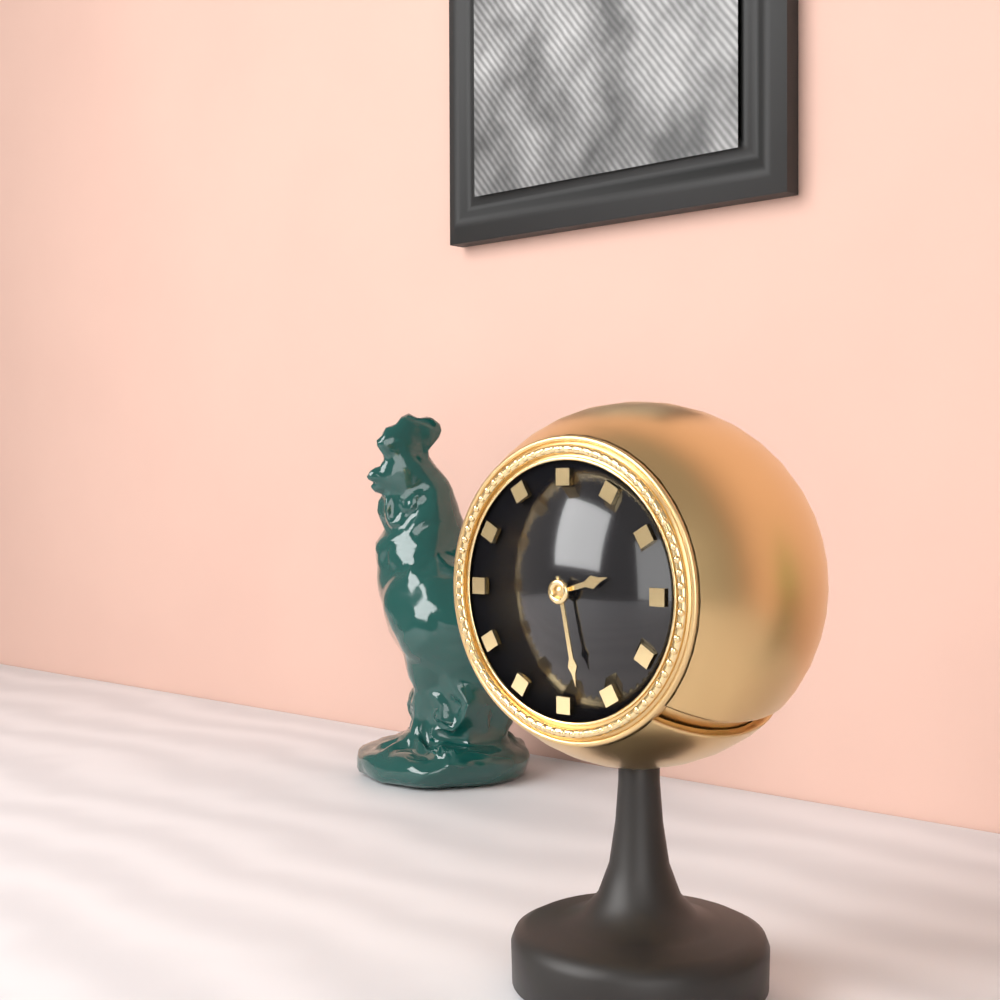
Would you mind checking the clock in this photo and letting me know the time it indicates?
2:28
